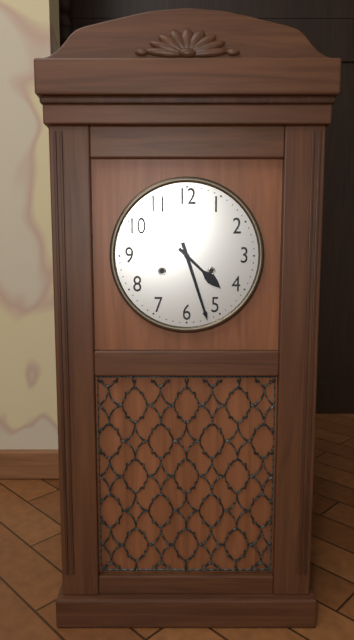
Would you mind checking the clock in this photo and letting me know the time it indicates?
4:27
